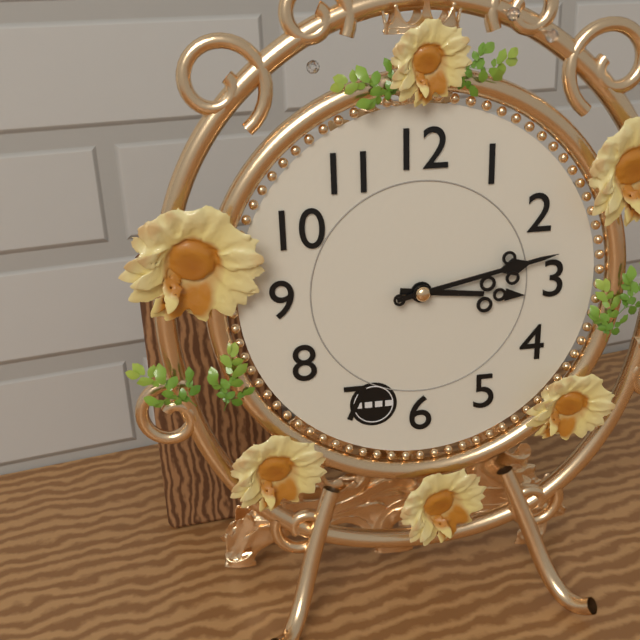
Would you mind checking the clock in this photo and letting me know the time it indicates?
3:13
